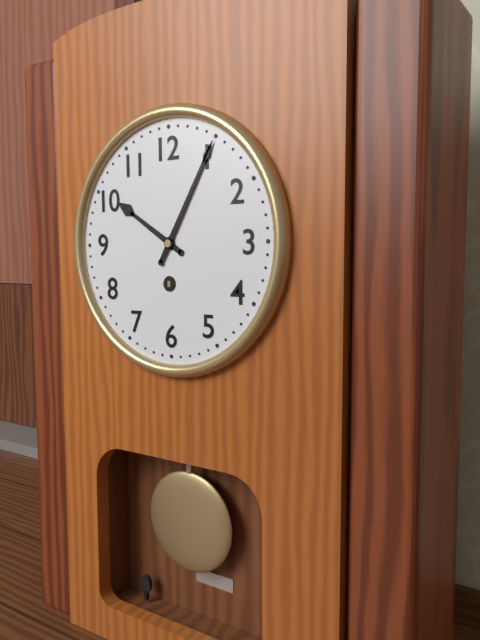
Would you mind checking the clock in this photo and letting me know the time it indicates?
10:05
